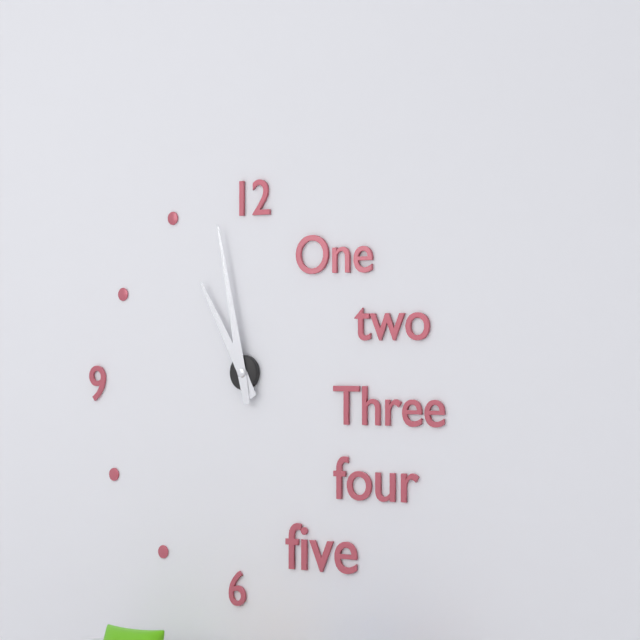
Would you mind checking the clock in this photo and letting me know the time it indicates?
10:58
